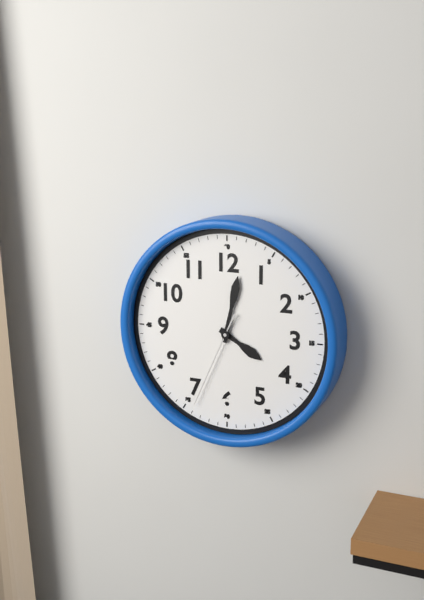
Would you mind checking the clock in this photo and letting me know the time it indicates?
4:02:34
